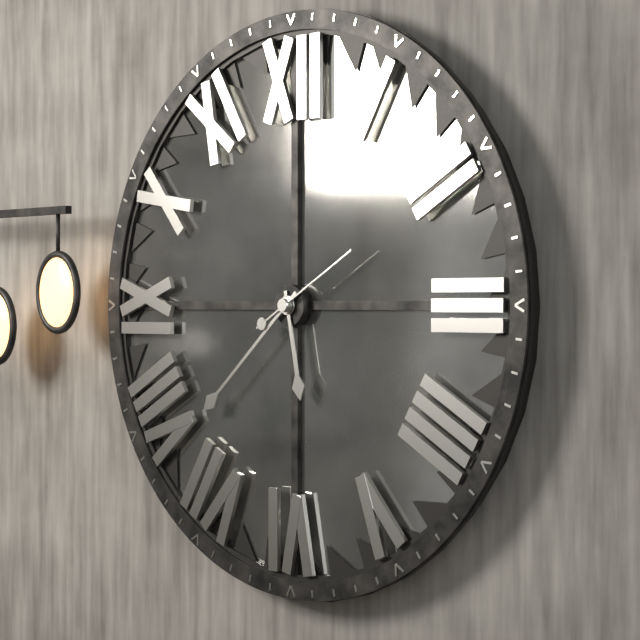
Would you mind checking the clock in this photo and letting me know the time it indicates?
5:38:10
